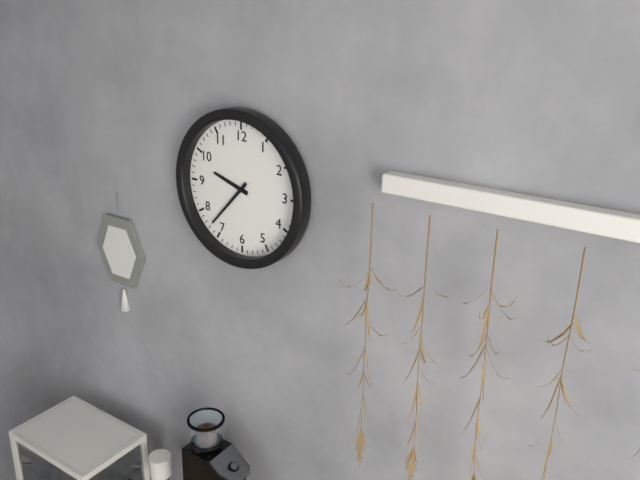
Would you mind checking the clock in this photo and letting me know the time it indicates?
9:37
